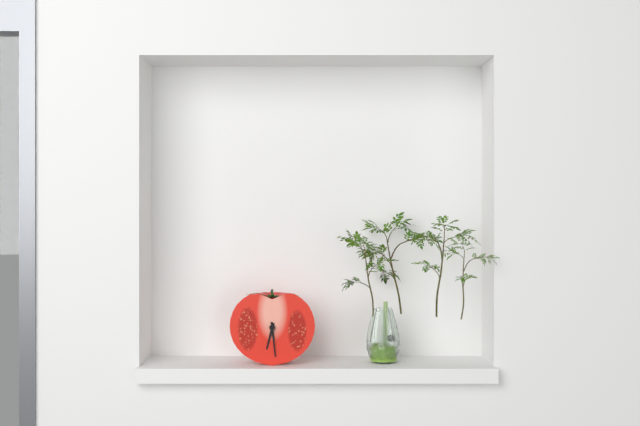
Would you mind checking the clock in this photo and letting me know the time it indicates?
6:29
